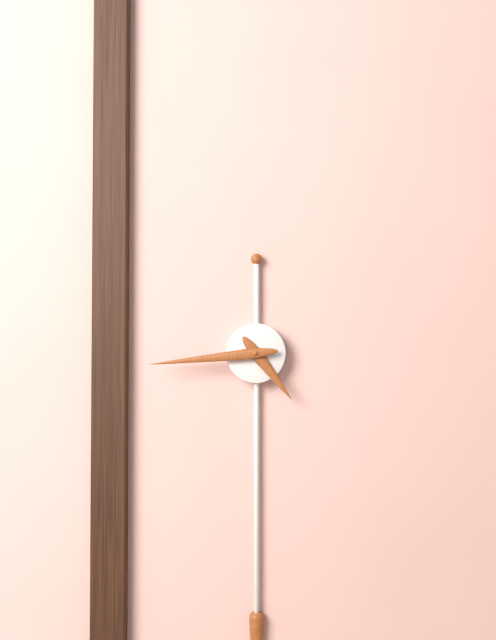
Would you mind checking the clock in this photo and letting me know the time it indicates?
4:44
